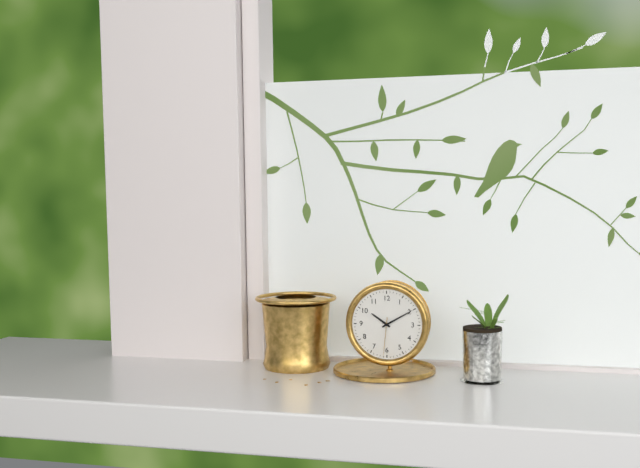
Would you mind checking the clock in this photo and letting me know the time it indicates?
10:10
